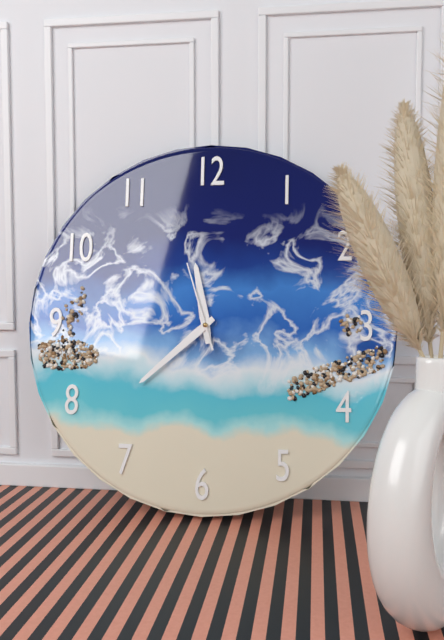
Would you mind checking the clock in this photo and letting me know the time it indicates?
11:38:57
